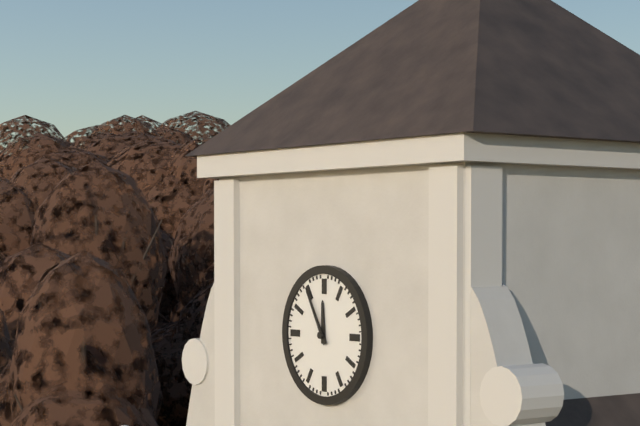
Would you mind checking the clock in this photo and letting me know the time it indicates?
11:55
